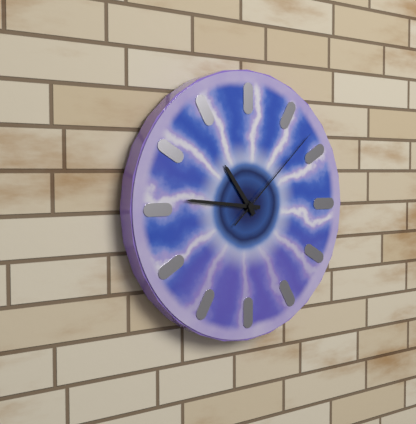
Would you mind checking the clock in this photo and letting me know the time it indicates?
10:46:08
